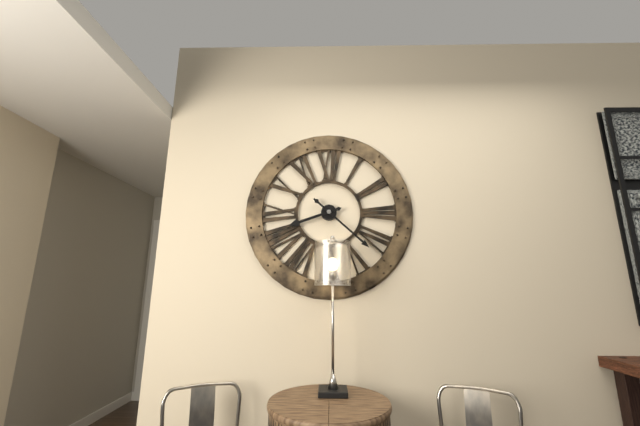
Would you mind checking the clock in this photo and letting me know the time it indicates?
8:22
